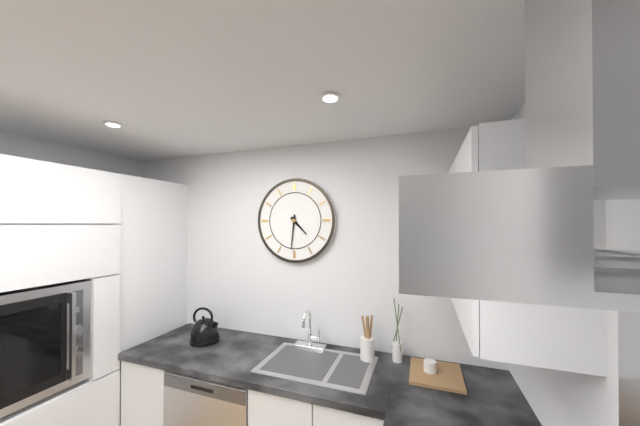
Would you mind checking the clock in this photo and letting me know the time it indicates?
4:31
